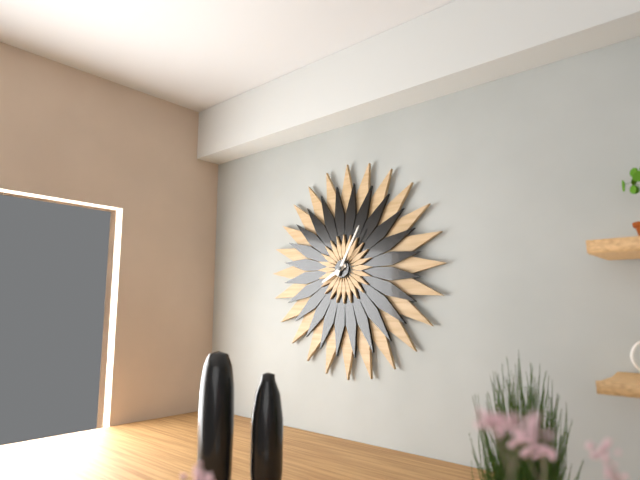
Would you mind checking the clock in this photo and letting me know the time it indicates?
8:05
